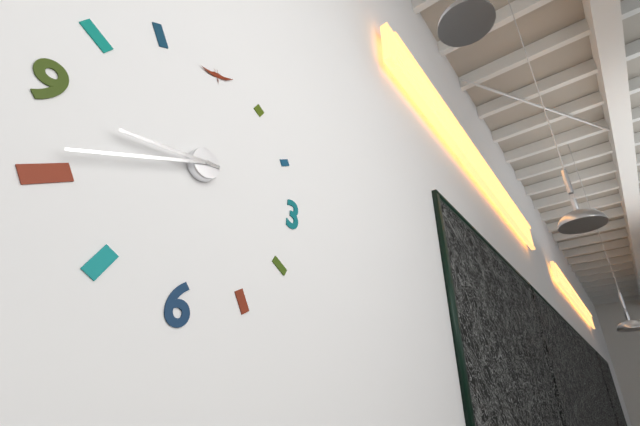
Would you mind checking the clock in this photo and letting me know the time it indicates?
8:41
